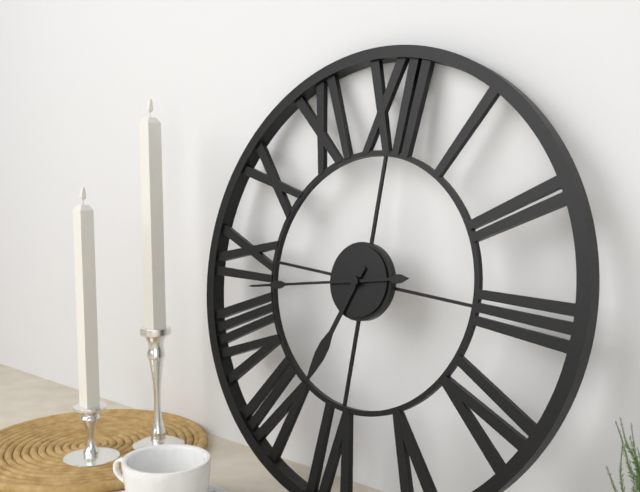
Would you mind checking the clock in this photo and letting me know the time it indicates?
6:43
